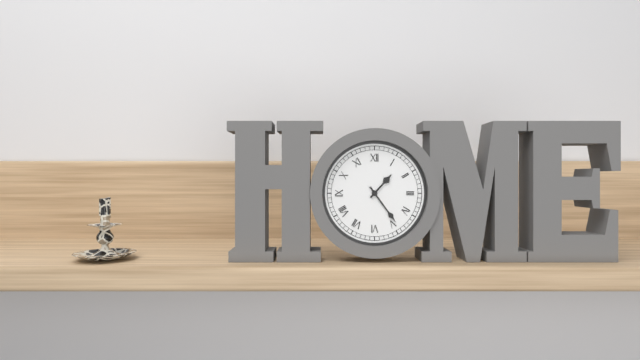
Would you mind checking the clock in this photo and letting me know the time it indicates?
1:24
